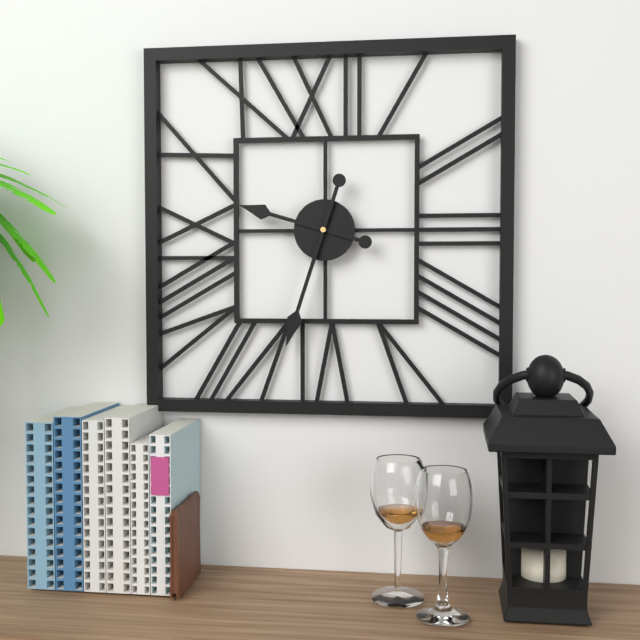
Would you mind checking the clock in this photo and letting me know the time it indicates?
9:33
